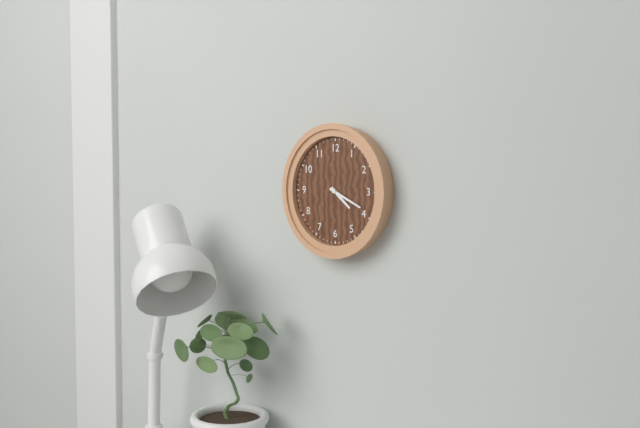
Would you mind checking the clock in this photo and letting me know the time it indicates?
4:19
